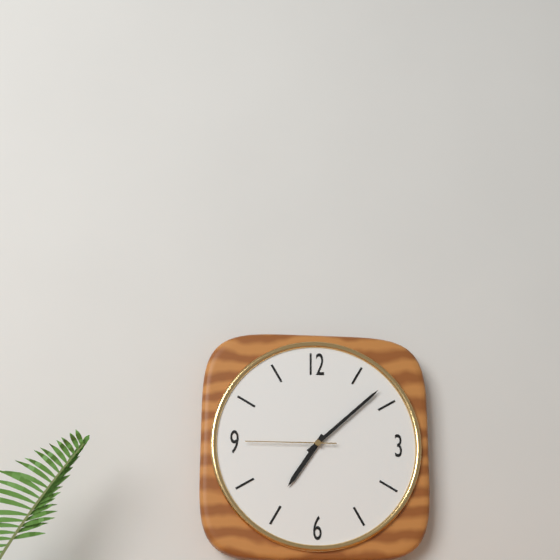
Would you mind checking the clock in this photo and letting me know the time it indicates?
7:08:45
